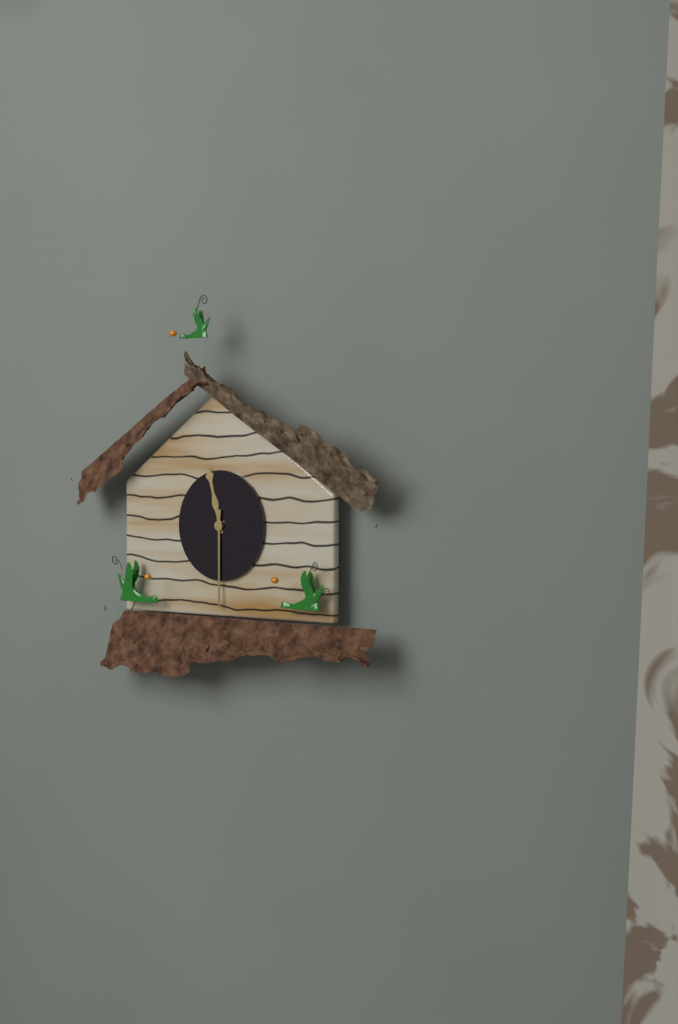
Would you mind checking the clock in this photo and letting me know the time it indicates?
11:30
